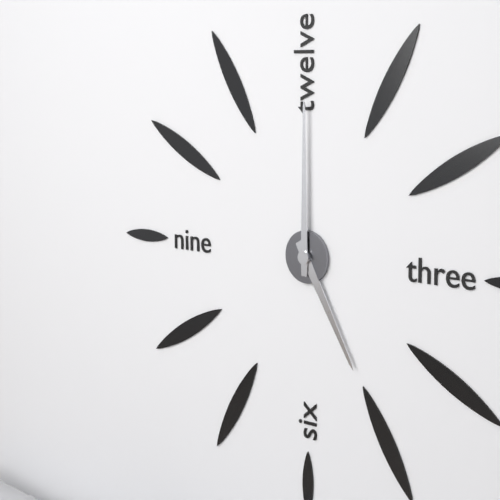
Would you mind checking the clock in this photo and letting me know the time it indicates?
5:00
